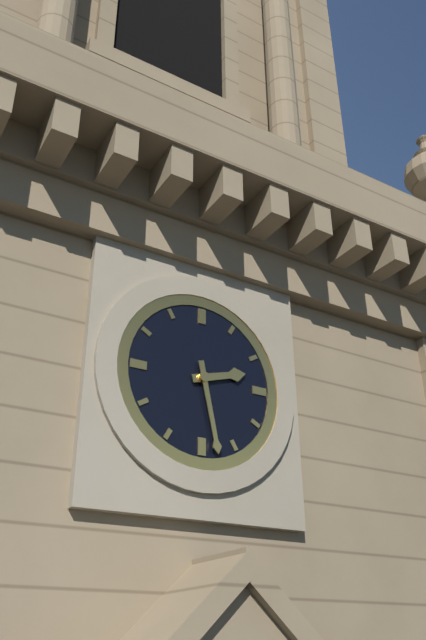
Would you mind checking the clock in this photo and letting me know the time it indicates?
2:28
